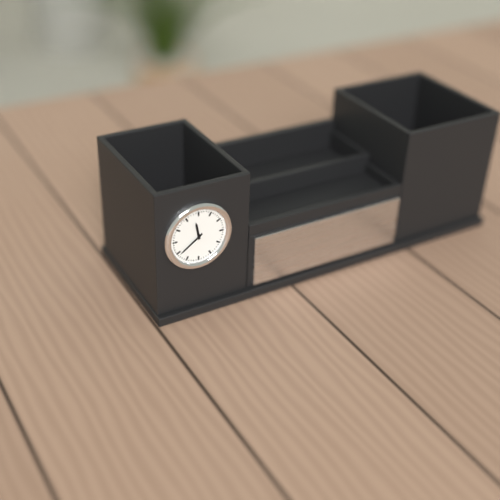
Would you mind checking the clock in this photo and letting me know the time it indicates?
11:39
